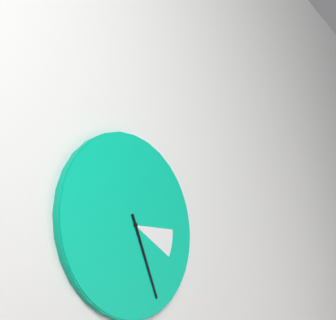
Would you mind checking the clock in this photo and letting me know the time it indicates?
3:26
